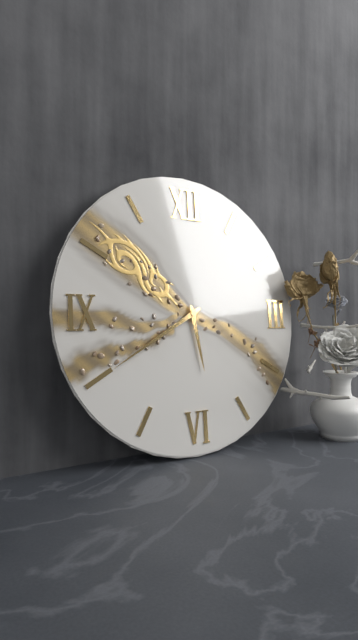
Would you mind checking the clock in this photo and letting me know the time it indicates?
5:40
